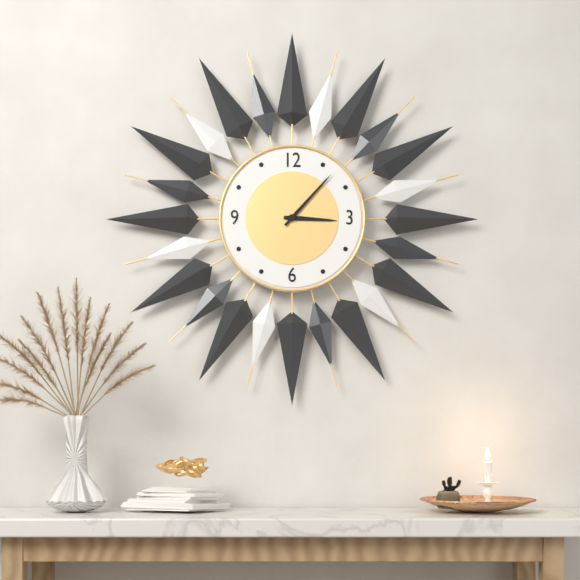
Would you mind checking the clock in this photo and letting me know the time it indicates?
3:07
